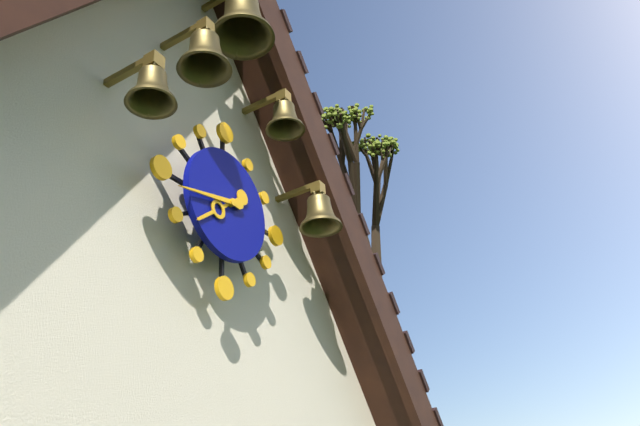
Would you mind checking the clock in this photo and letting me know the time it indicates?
7:43
